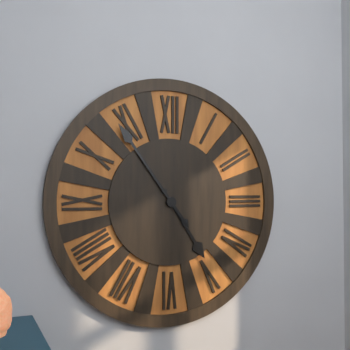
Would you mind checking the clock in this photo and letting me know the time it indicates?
4:54
